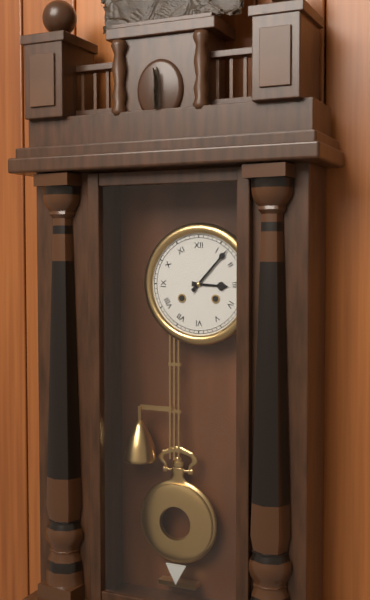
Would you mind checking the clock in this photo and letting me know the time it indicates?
3:07
